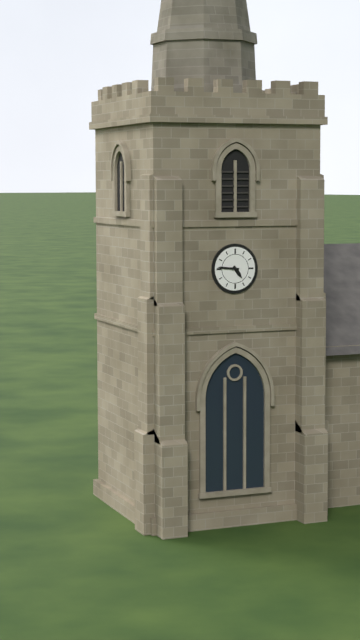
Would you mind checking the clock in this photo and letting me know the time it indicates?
4:46
